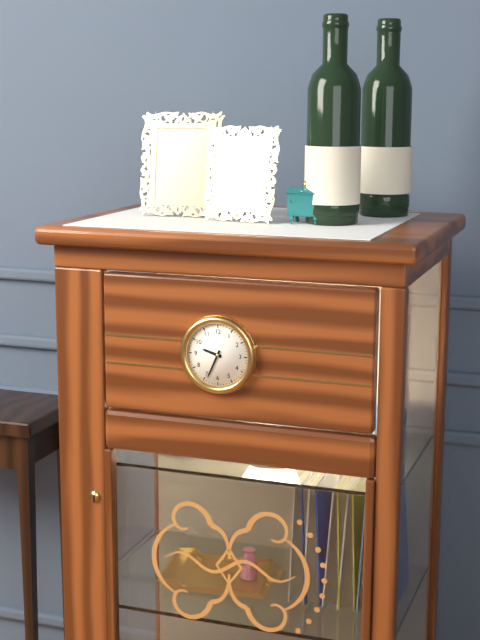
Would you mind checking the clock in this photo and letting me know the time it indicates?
9:34
